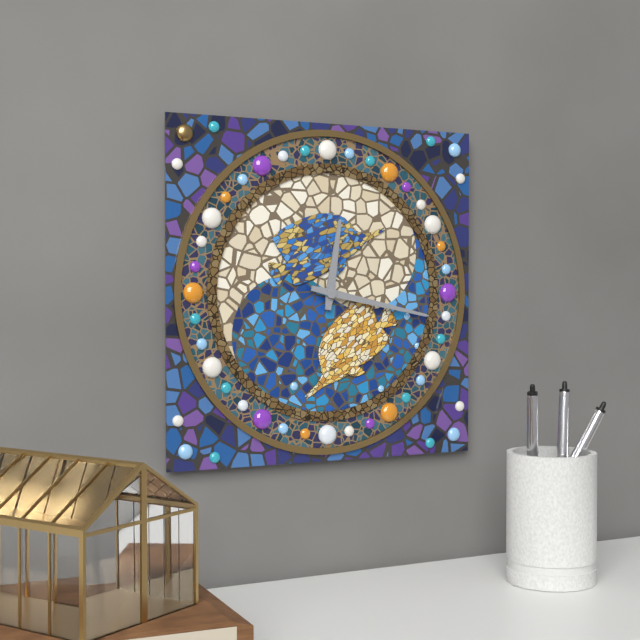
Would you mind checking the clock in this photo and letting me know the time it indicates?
12:17
